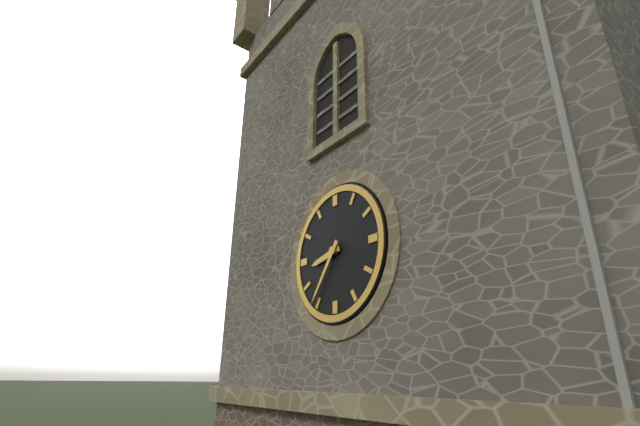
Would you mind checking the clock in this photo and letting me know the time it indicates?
8:36
